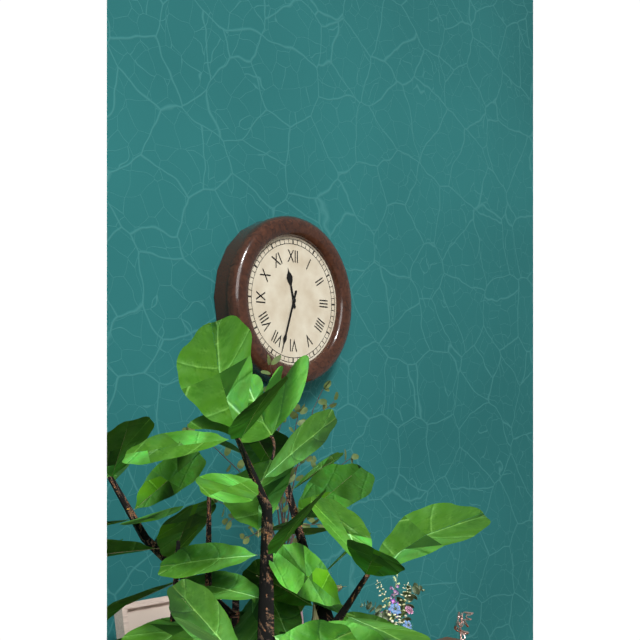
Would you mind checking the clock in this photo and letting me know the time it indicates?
11:33
